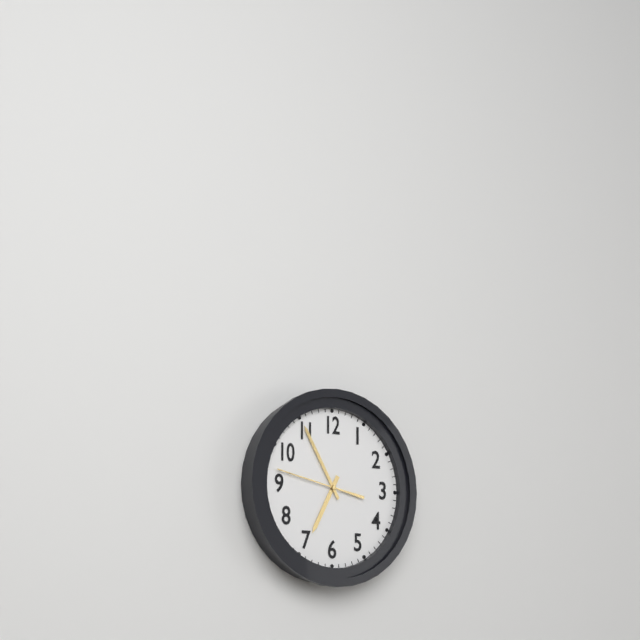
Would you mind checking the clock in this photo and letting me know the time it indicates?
6:55:47
